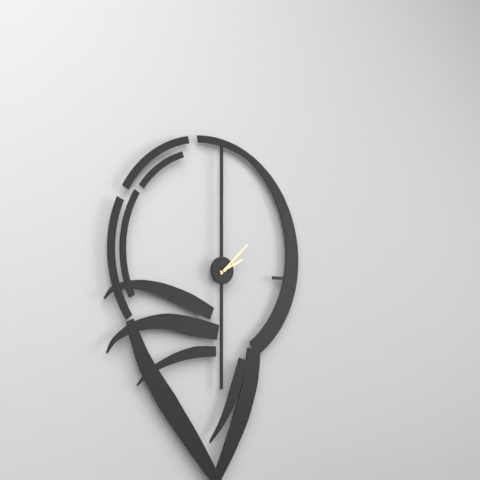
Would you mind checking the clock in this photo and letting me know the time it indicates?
2:08
